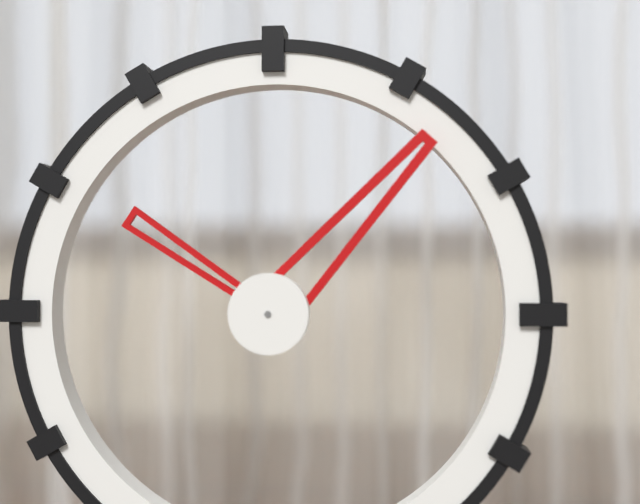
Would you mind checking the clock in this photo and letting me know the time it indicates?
10:07
